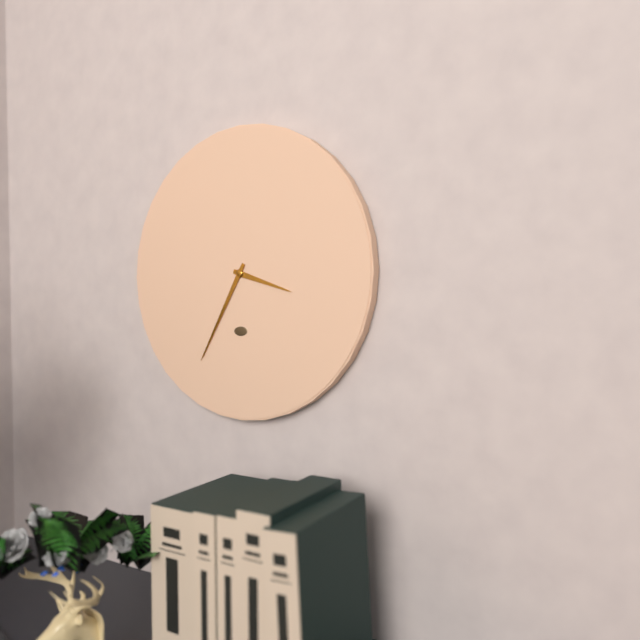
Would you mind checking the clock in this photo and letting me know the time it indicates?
3:35
